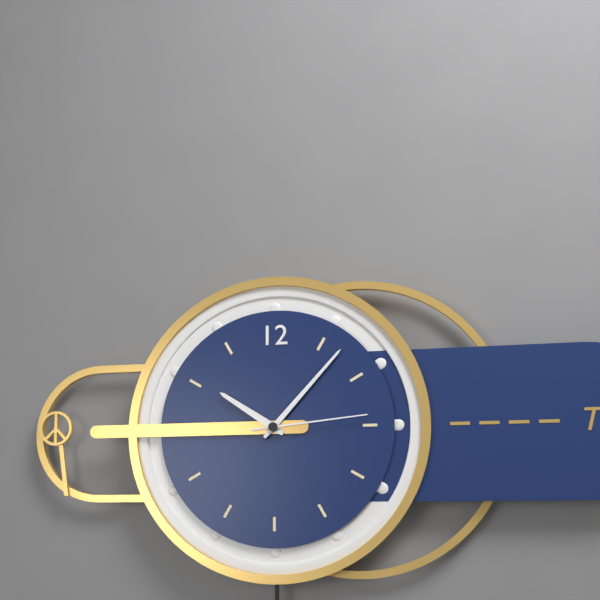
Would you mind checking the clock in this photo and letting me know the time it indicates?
10:07:14
